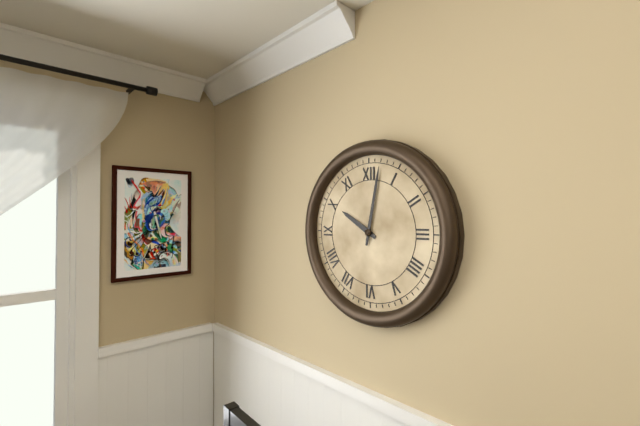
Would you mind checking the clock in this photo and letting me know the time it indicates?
10:02
